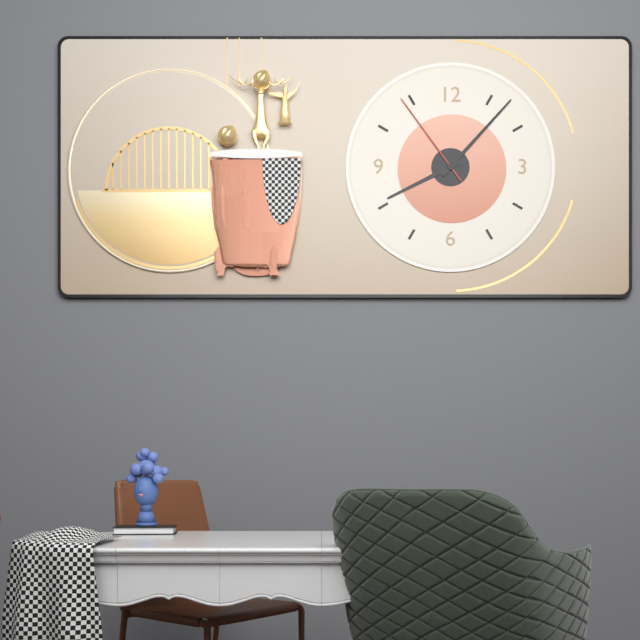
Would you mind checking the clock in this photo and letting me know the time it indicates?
8:07:54
